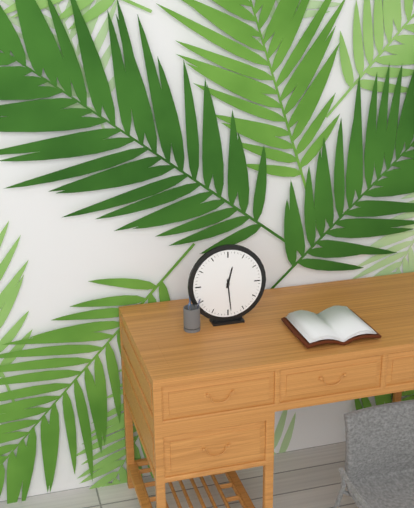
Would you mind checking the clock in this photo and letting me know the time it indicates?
12:29
